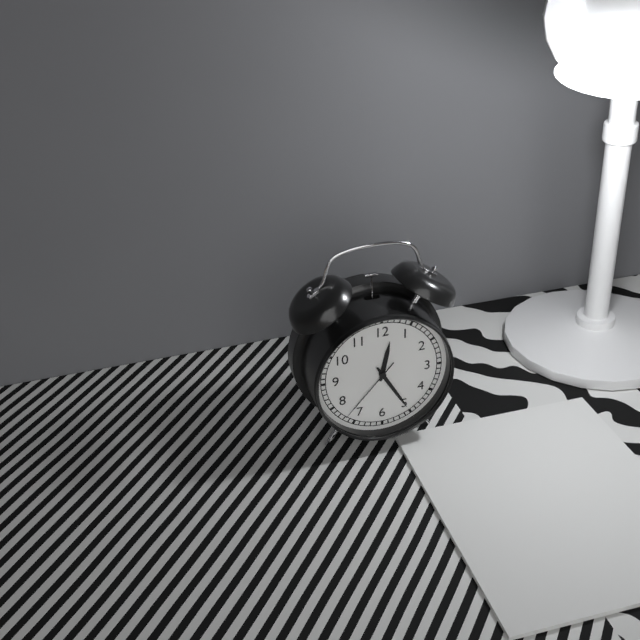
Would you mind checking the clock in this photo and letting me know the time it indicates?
12:25:37
